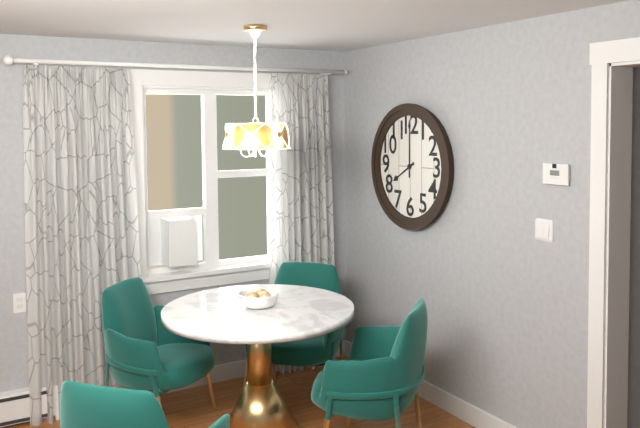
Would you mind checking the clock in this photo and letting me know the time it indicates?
8:00
